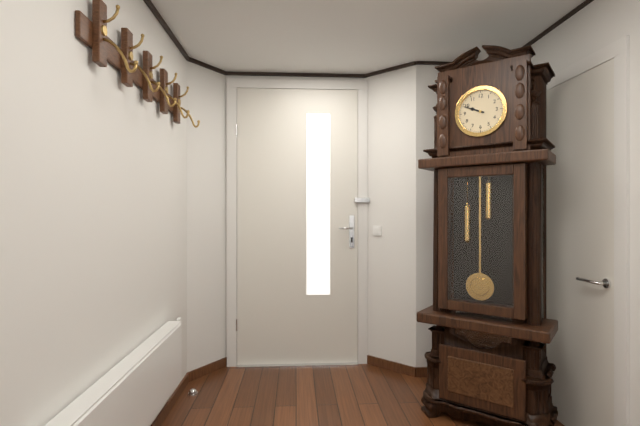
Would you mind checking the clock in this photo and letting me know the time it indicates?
9:49
